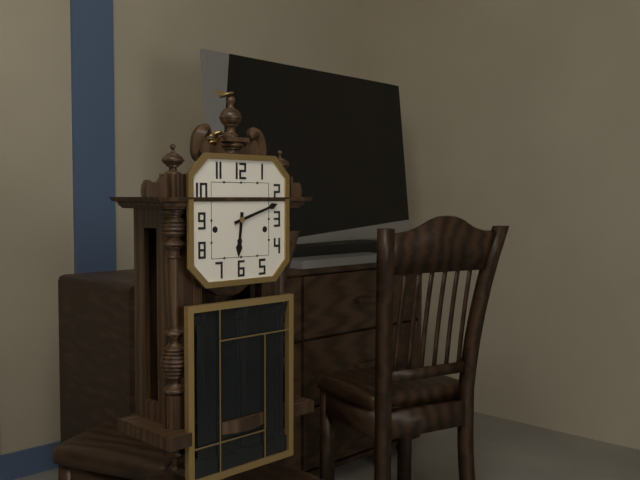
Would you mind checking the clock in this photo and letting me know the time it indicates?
6:12
